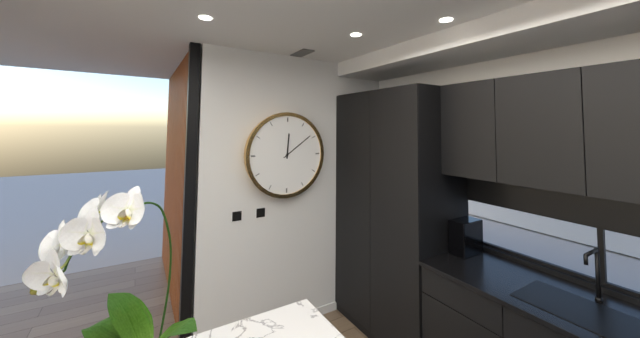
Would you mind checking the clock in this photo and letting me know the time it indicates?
12:09
